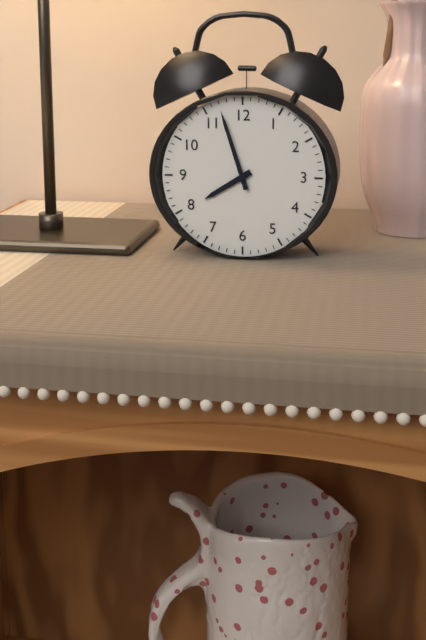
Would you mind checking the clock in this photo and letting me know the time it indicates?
7:57
